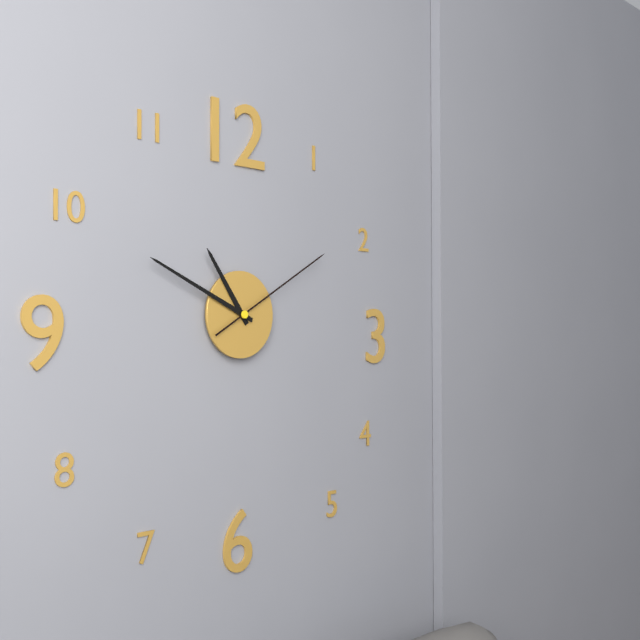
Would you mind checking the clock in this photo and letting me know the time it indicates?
10:49:10
